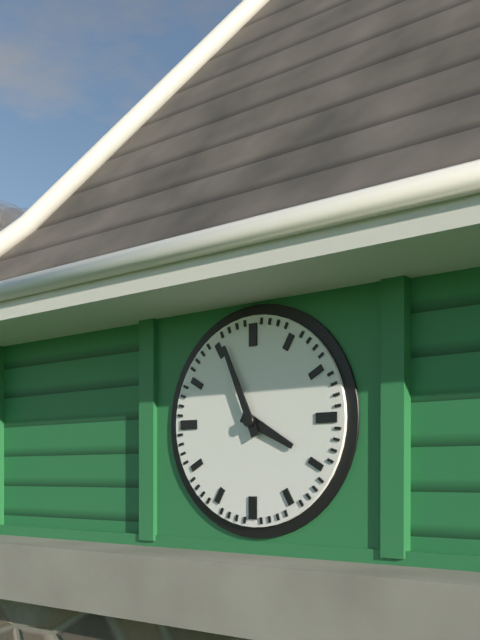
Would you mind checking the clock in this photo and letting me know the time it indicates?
3:56
